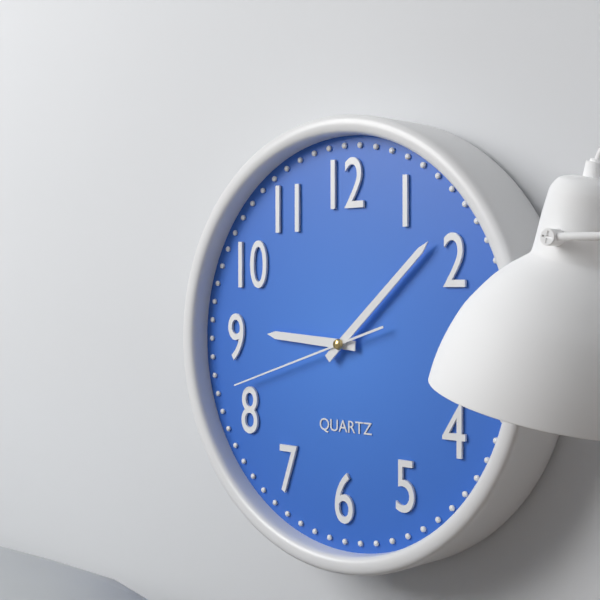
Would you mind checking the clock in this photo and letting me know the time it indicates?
9:08:42
